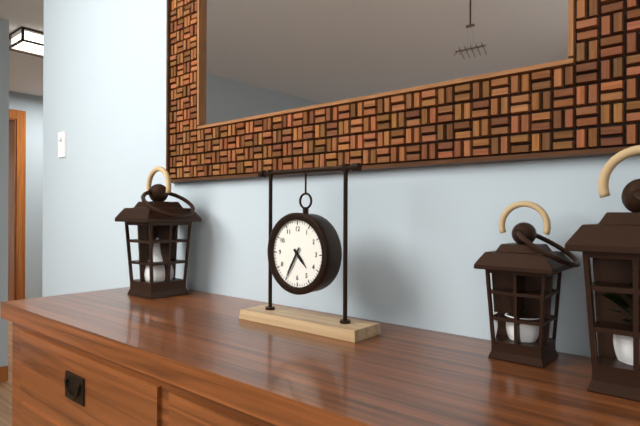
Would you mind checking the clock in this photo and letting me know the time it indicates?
4:35
